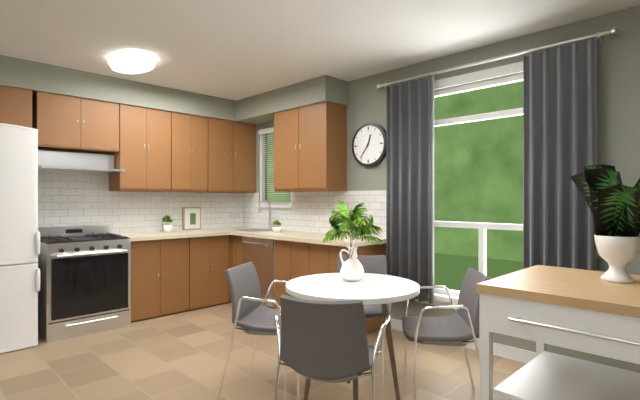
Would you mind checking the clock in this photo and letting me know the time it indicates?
12:36
